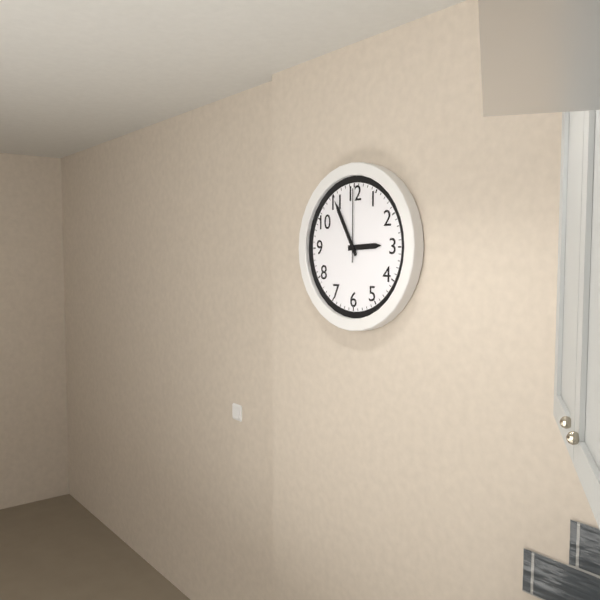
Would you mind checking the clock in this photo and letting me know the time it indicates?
2:55:00
